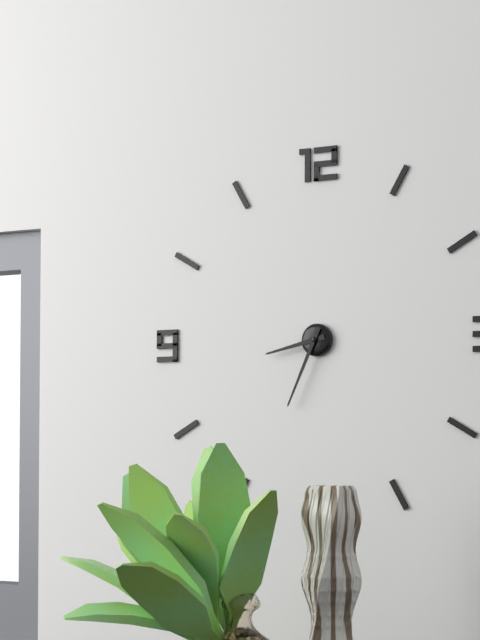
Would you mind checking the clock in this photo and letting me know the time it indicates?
8:34
